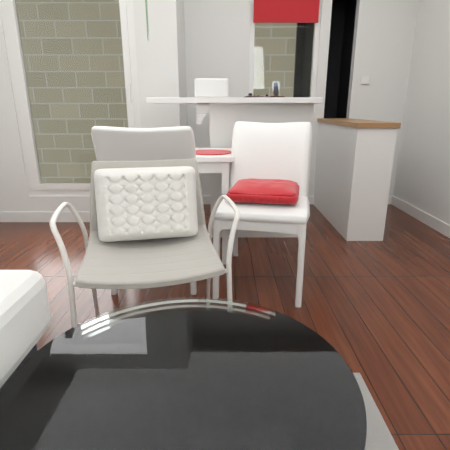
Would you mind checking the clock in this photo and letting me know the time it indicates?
2:18
